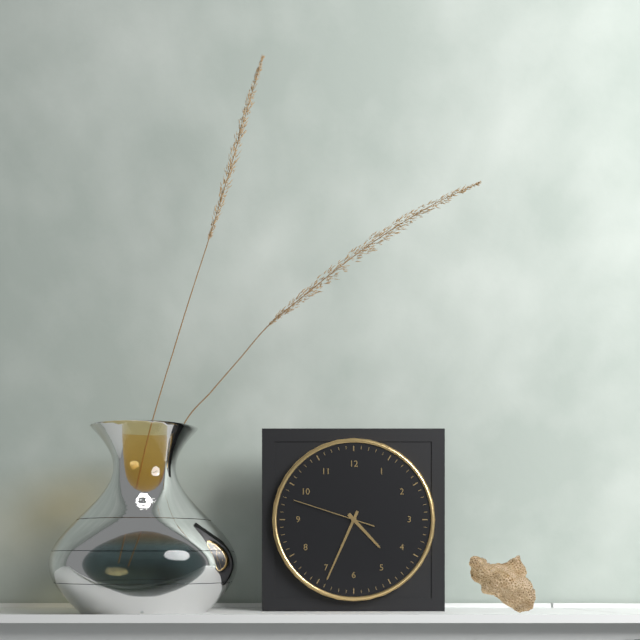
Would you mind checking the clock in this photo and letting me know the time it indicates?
4:34:48
